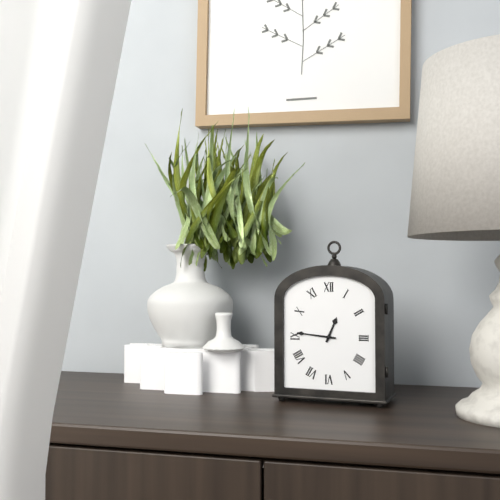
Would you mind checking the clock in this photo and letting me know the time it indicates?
12:46
